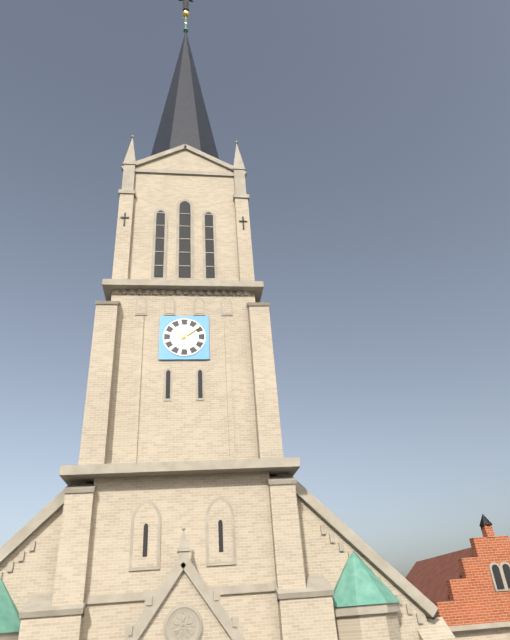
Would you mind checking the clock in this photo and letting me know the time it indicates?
10:09
